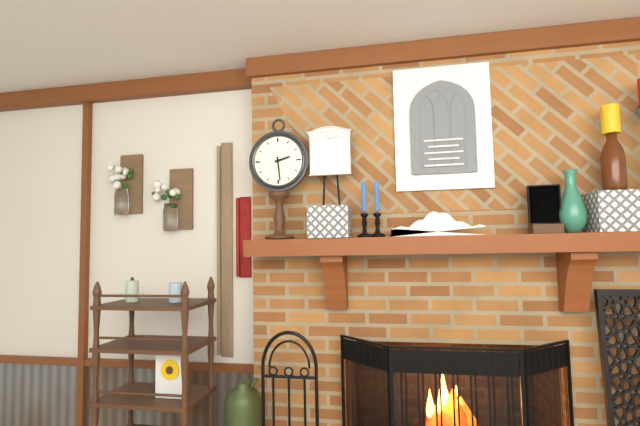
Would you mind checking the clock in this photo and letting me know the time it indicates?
2:29
